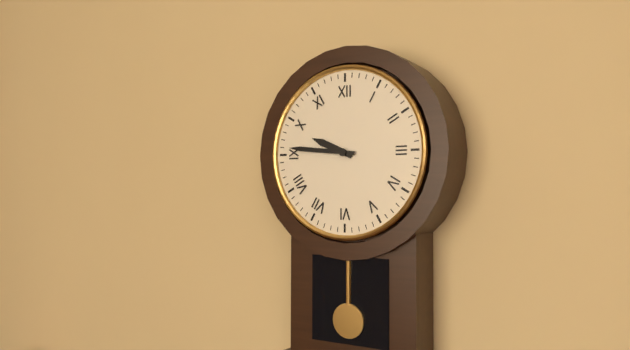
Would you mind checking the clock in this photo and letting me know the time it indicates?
9:46
